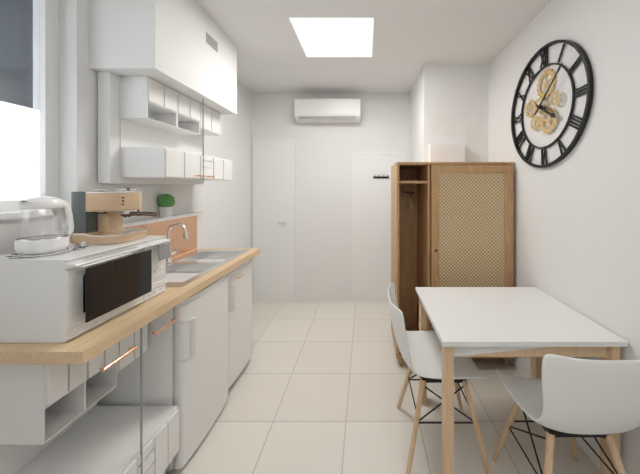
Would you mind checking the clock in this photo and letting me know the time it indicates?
4:08
